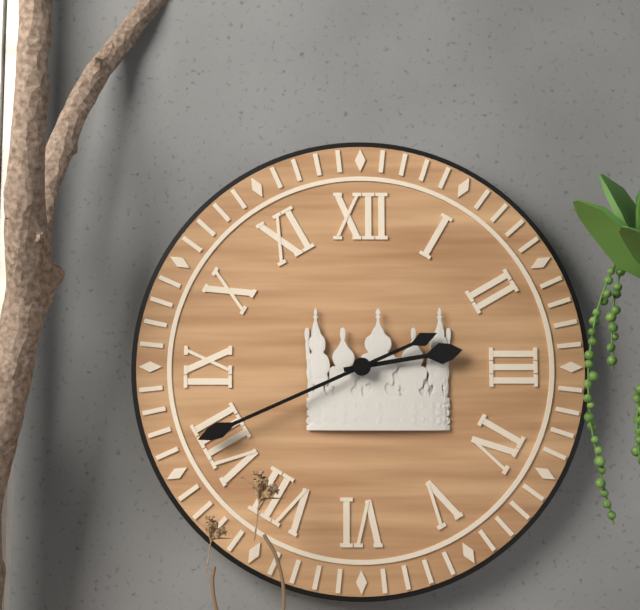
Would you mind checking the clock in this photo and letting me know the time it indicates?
2:41
